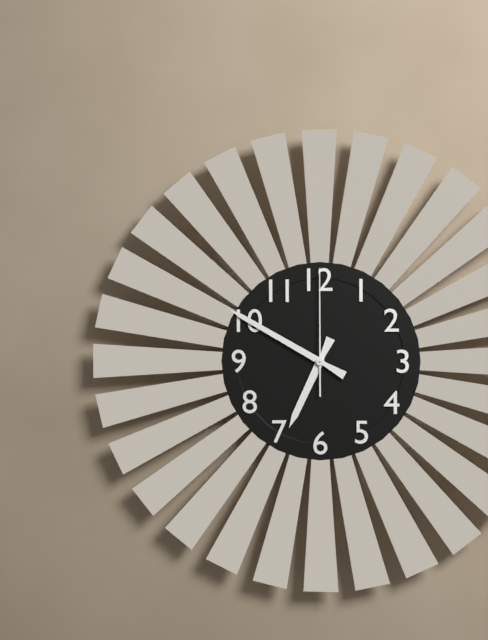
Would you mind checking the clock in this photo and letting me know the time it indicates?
6:50:00
